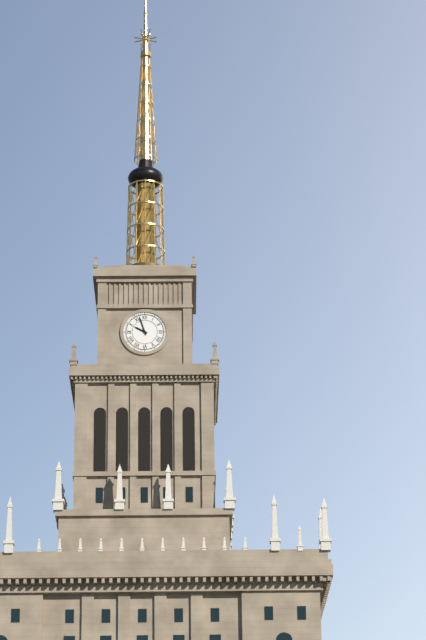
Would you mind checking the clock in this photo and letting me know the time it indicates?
9:57
